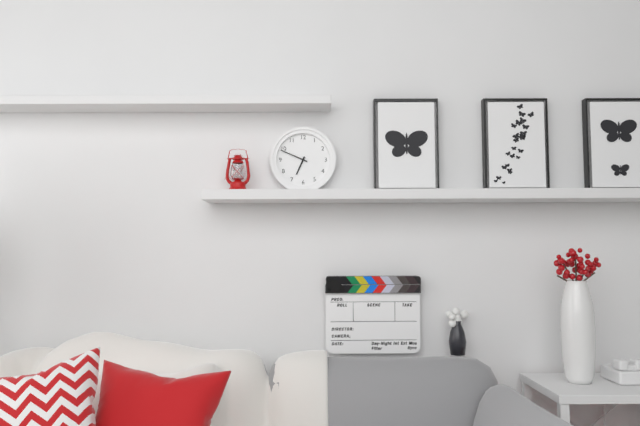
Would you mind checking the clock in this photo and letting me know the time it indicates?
6:49
